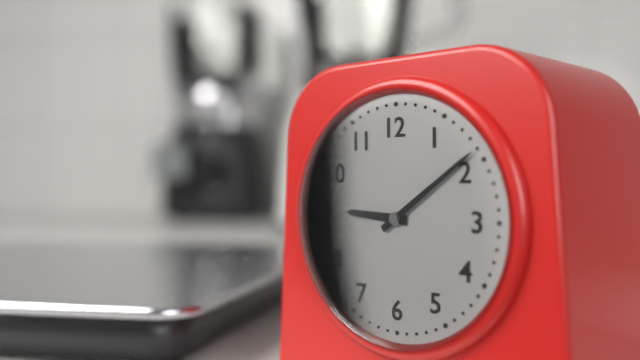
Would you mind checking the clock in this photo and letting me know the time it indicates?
9:09
